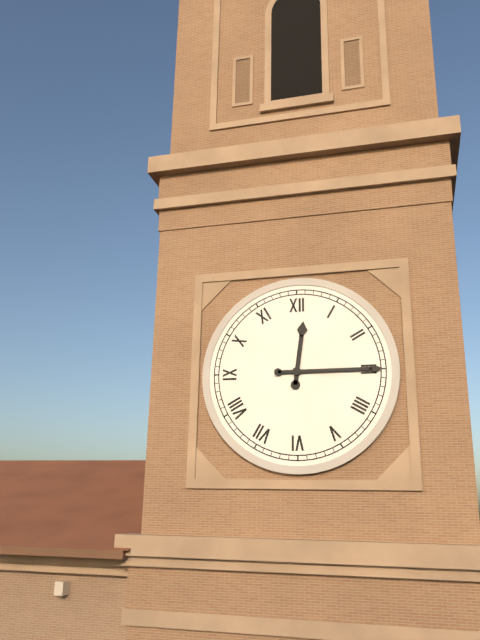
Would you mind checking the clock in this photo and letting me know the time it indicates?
12:15
